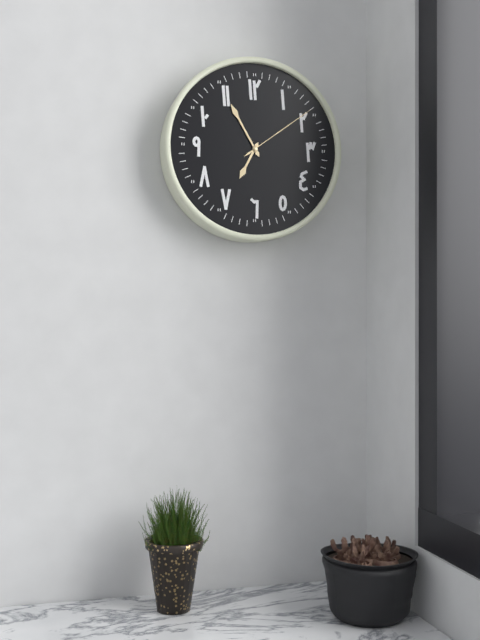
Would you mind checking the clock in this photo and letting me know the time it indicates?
6:55:09
